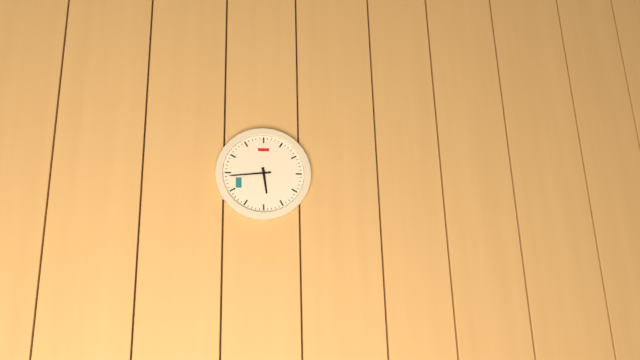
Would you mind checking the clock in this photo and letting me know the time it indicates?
5:44
